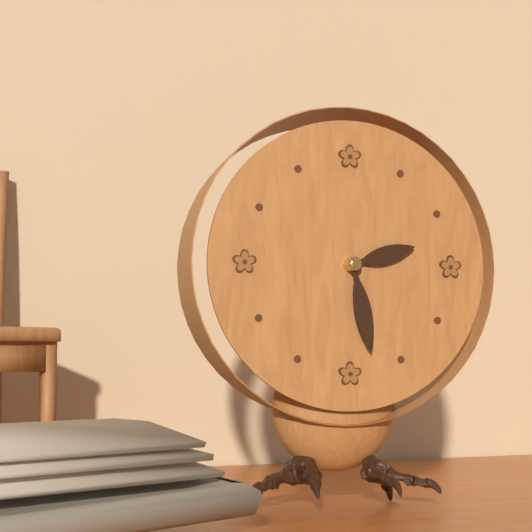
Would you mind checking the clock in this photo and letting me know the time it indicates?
2:28
